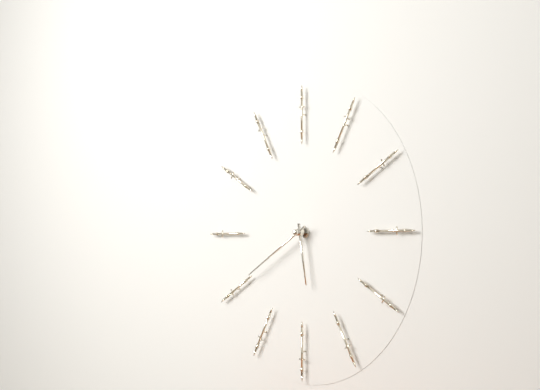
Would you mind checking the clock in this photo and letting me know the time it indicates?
5:40
